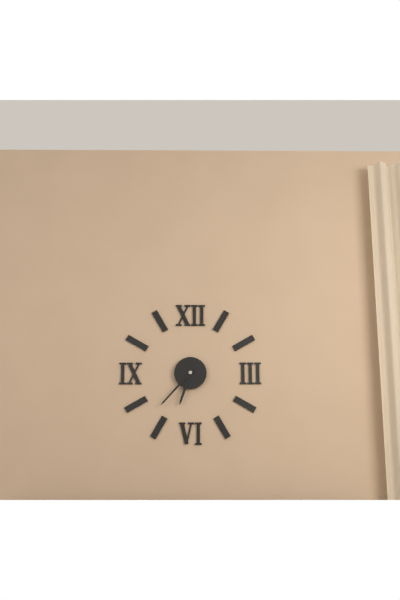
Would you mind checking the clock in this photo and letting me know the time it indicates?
6:37
